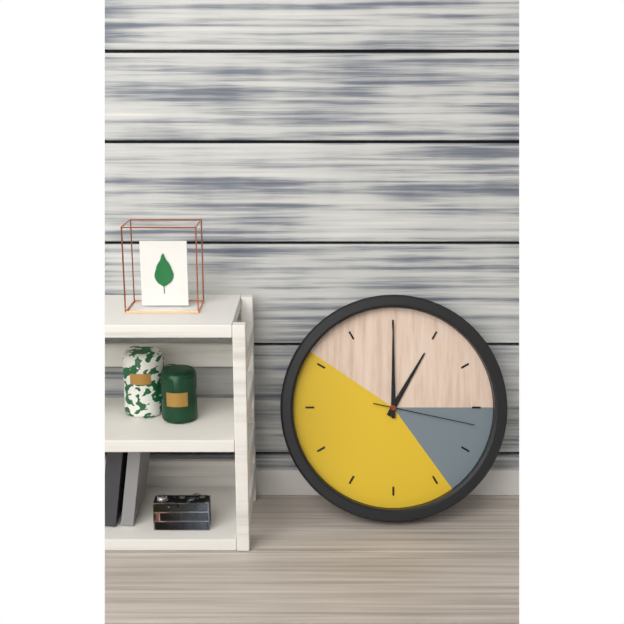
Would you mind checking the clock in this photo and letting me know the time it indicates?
1:00:17
